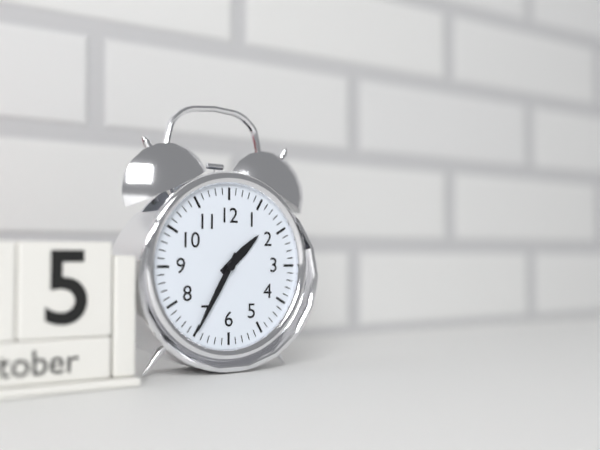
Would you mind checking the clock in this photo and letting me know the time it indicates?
1:35
